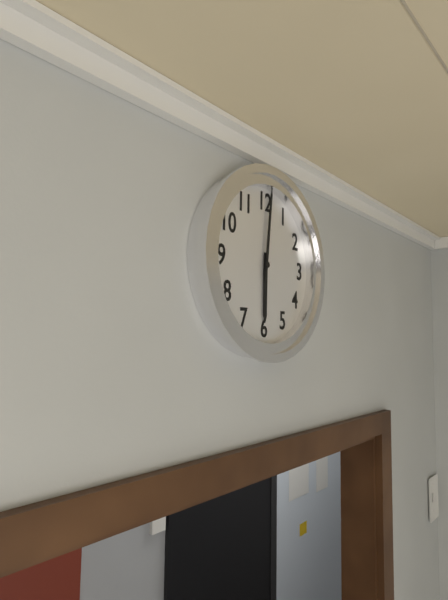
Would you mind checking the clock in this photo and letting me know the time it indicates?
6:01
